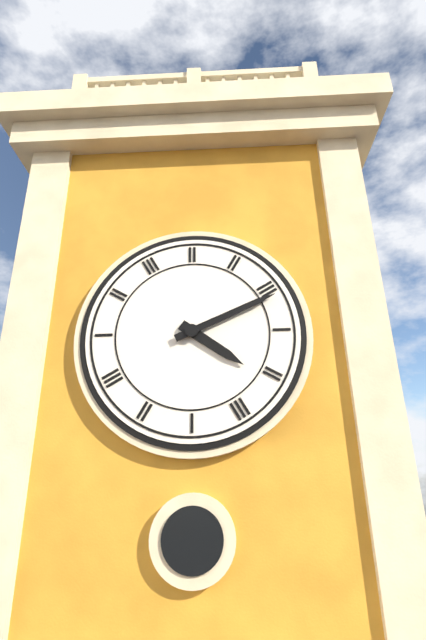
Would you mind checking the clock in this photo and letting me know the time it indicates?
4:11
